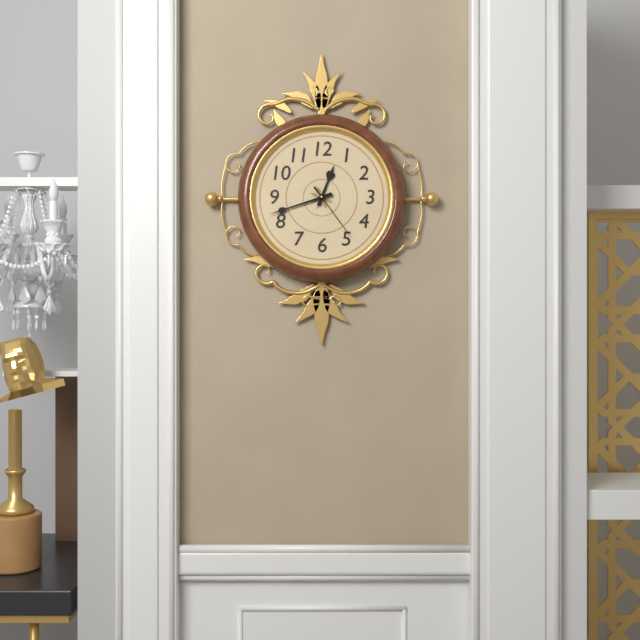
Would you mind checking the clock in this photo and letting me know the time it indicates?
12:42:24
